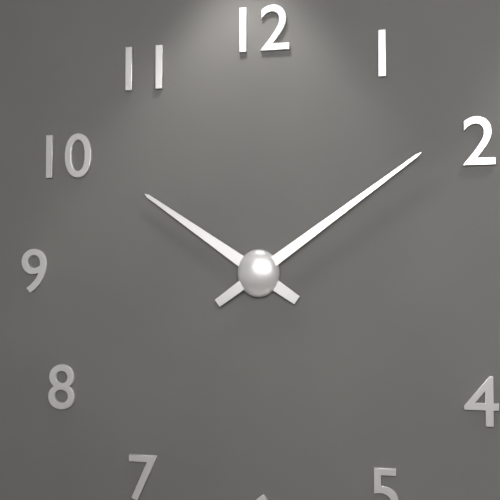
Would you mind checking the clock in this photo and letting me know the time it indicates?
10:09
